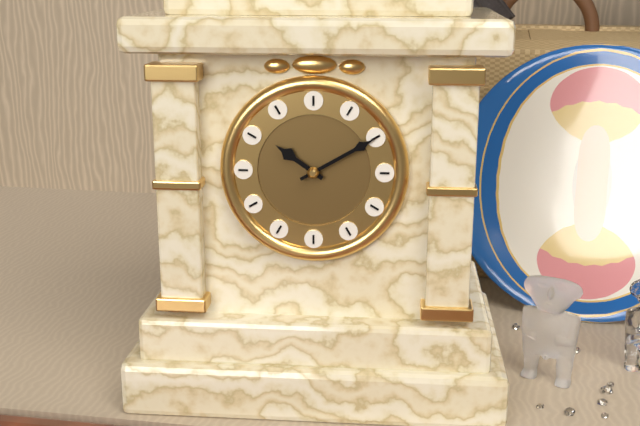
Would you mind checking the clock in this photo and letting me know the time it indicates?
10:10
